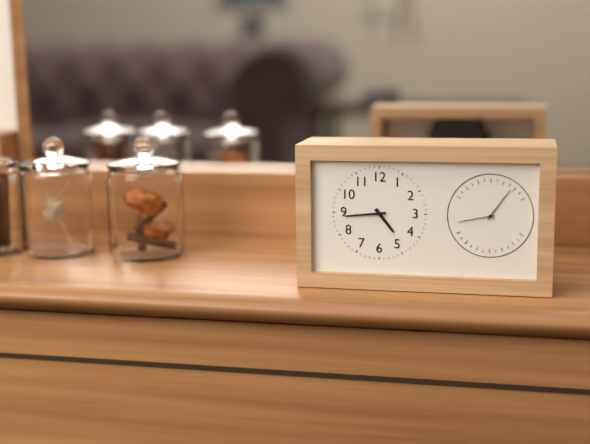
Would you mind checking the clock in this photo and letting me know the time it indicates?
4:44
